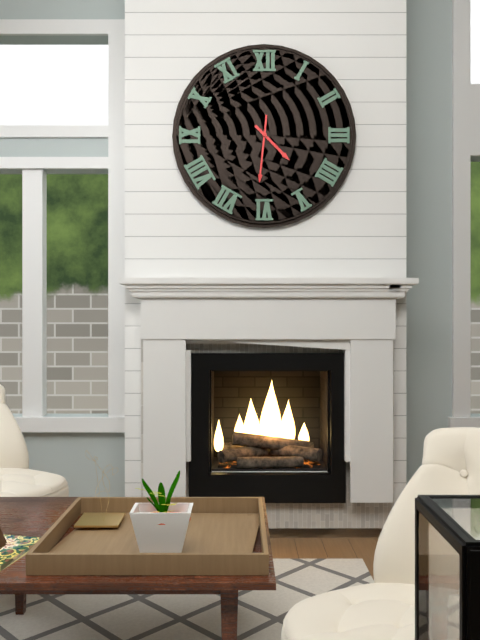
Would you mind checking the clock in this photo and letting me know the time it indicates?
4:31
